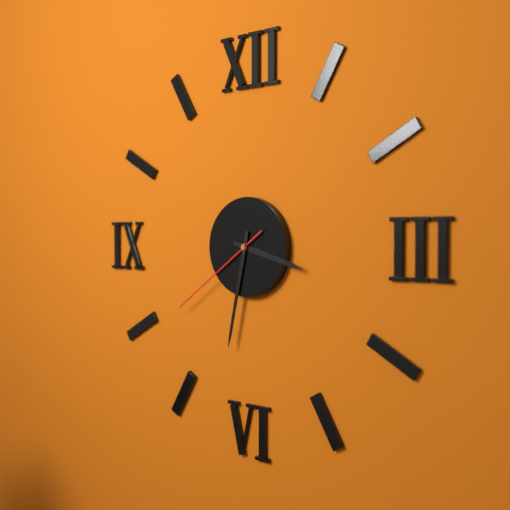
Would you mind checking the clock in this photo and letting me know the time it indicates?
3:32:39
